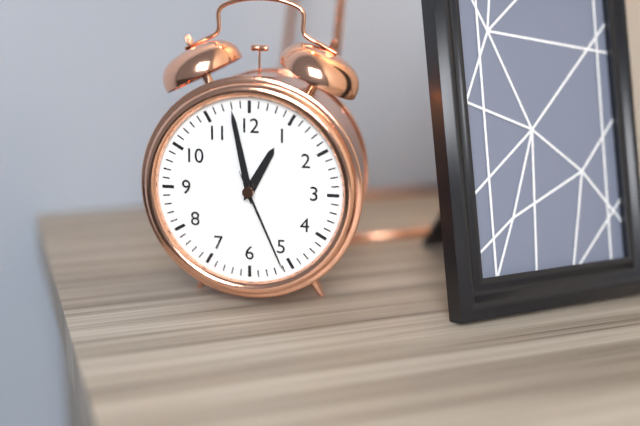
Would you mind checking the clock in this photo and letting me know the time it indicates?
12:58:26
